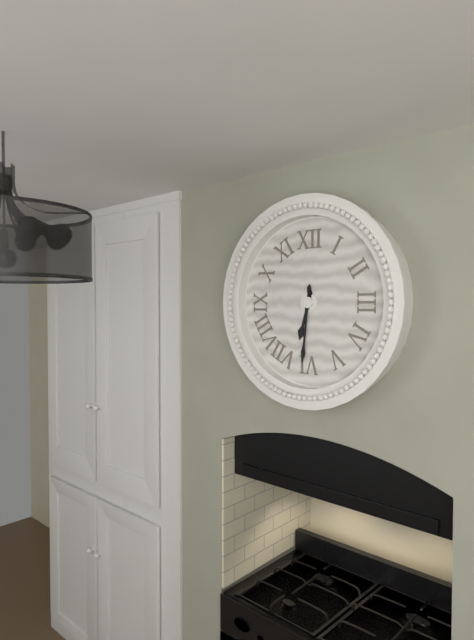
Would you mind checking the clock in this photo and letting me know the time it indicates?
6:31
